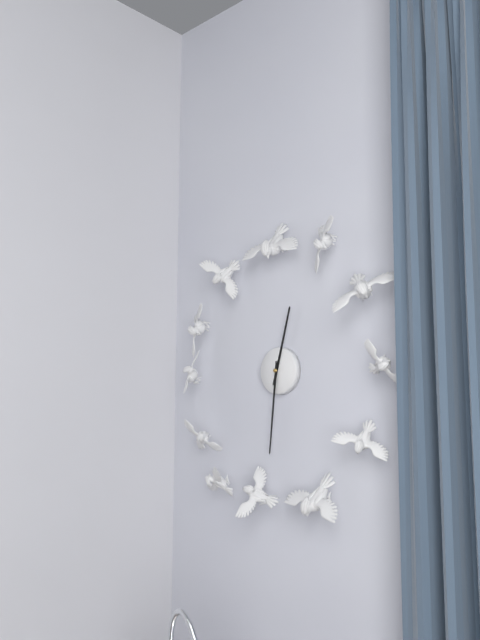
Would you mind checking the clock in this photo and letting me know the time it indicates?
12:31
